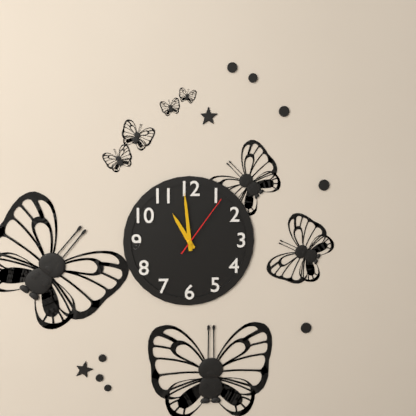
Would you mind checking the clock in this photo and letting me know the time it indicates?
10:59:06
